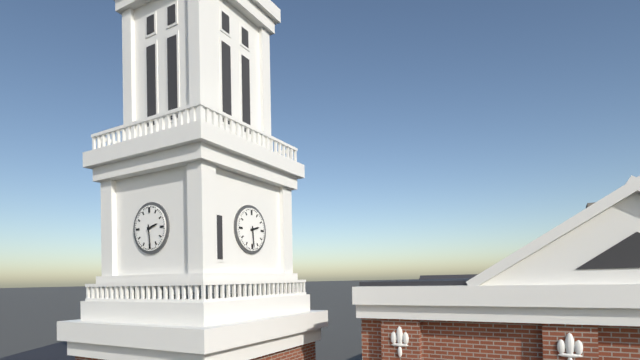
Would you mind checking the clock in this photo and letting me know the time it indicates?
2:29
